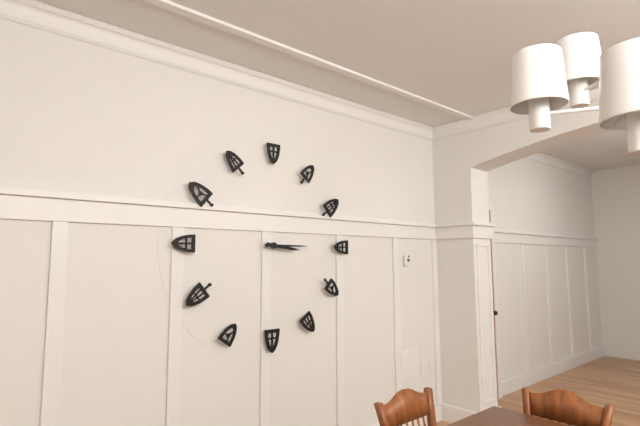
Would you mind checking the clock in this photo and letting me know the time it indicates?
3:15
